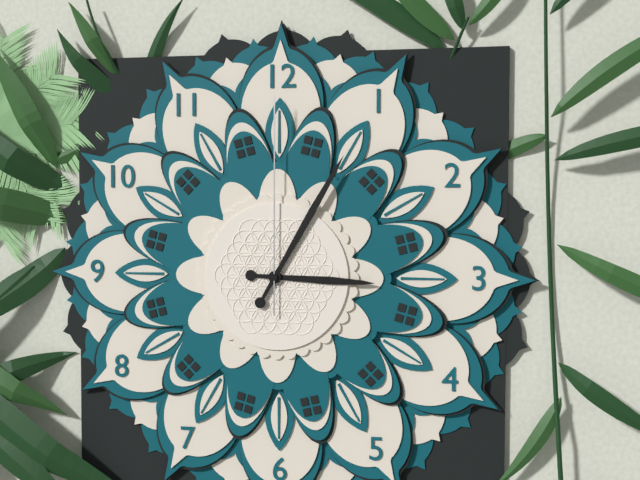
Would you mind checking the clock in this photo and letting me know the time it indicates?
3:05:00
